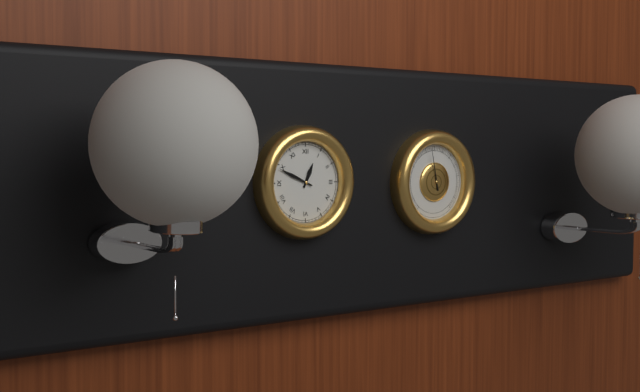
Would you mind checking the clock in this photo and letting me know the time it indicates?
12:49
